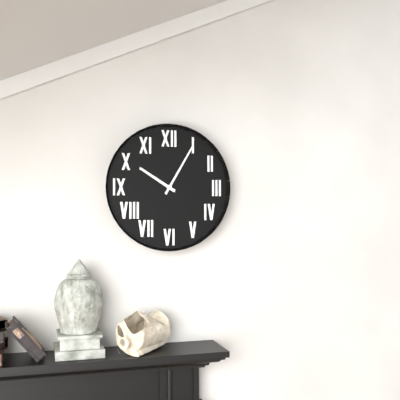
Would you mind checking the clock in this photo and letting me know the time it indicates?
10:05
